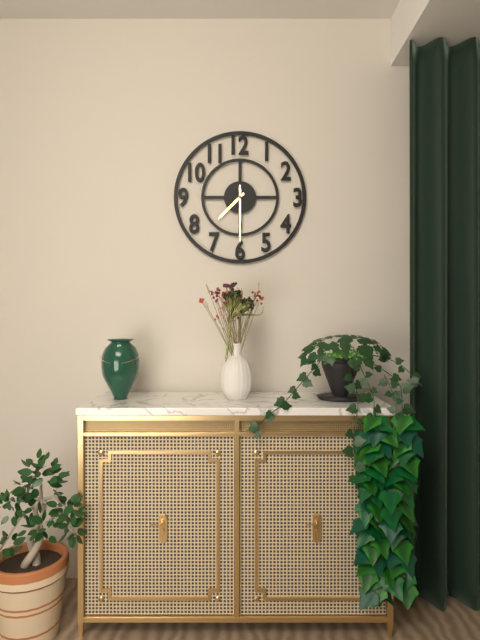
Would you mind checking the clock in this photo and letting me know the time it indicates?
7:30
